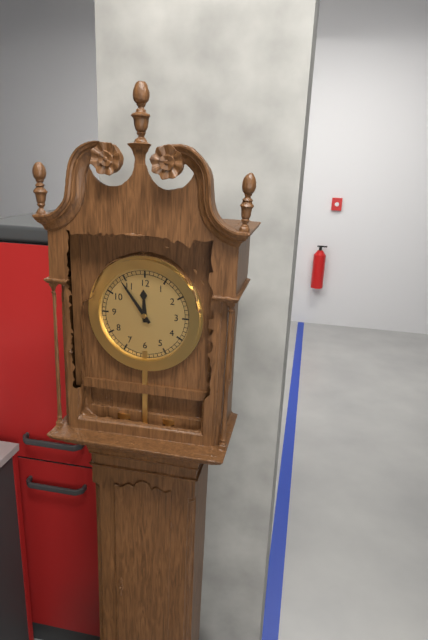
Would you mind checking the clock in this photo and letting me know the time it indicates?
11:54
